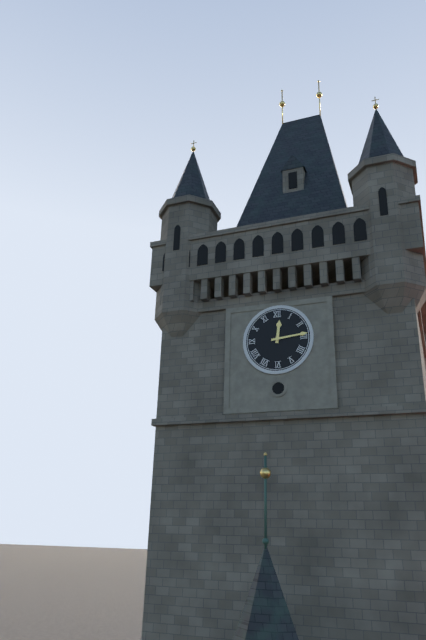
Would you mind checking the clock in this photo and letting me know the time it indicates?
12:14
